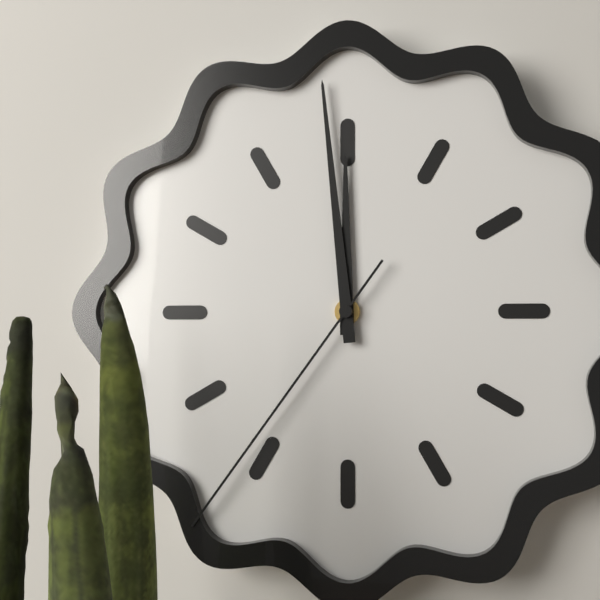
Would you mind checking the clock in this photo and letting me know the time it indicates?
11:59:36
